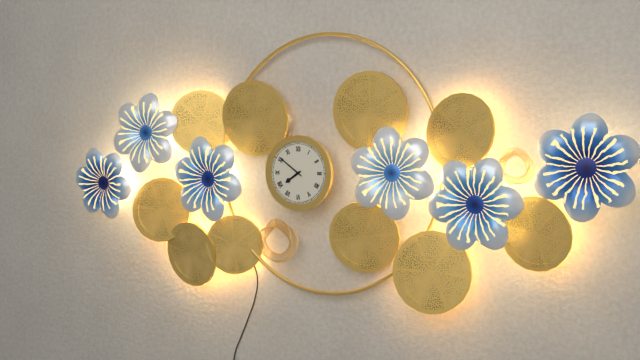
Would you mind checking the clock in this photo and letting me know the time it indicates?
7:51
